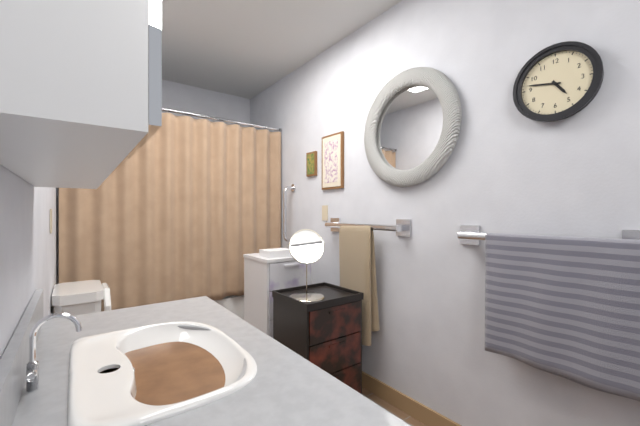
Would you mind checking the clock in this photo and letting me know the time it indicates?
4:47
